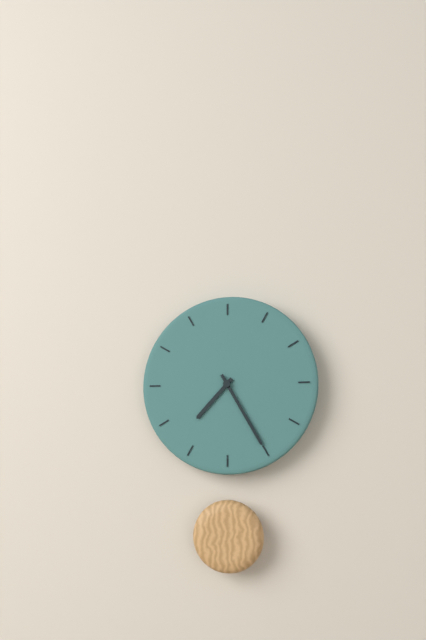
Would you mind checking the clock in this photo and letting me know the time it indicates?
7:25
